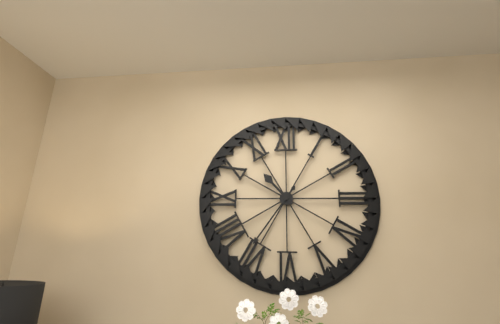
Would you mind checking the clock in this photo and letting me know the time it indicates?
10:36
